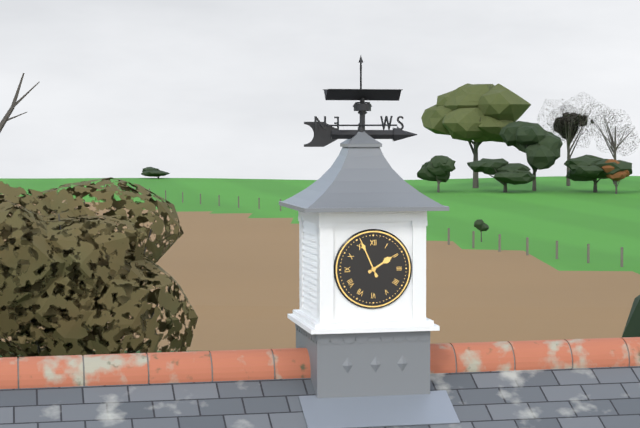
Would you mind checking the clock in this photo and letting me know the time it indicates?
1:56
